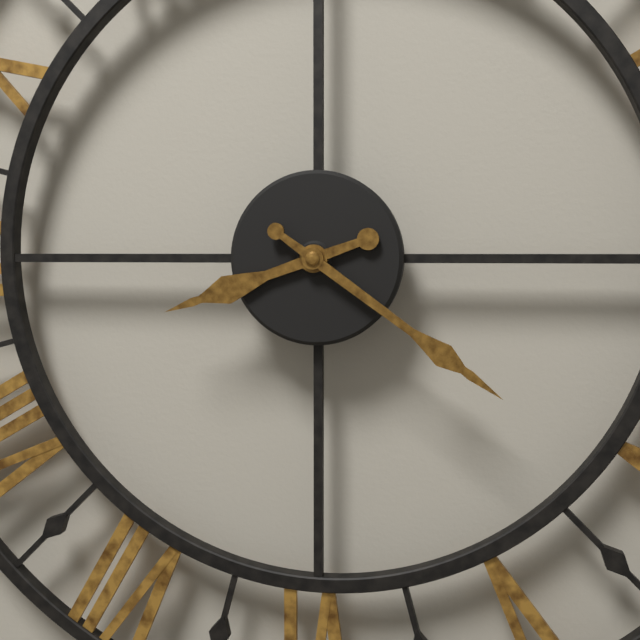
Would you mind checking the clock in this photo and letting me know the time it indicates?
8:21
